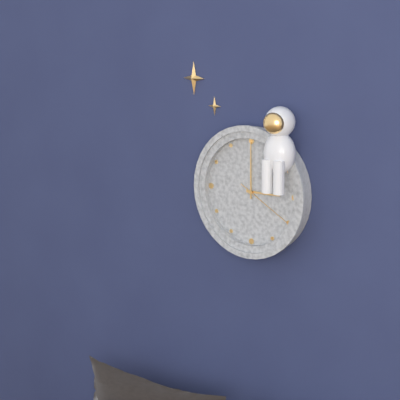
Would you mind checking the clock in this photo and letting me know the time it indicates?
3:00:20
